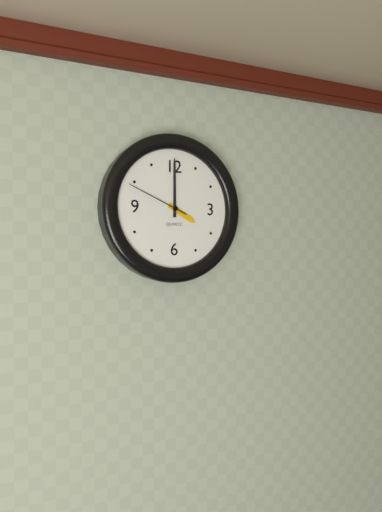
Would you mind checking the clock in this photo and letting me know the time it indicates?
4:00:49
